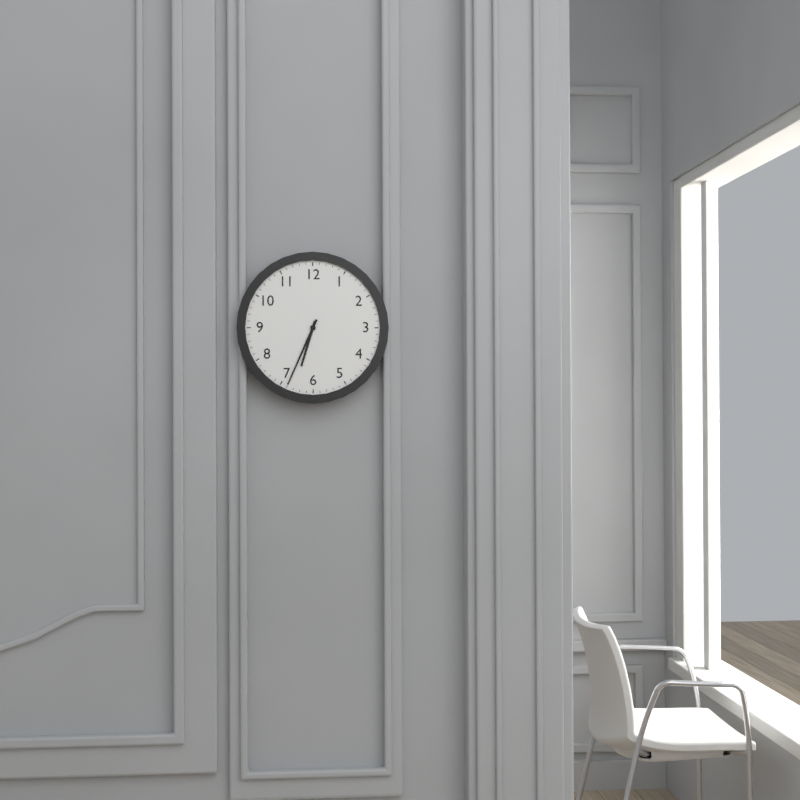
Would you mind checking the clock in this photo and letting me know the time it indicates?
6:34
